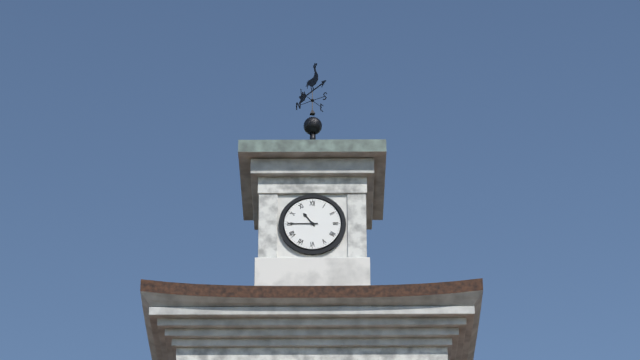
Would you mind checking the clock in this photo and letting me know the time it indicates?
10:45
